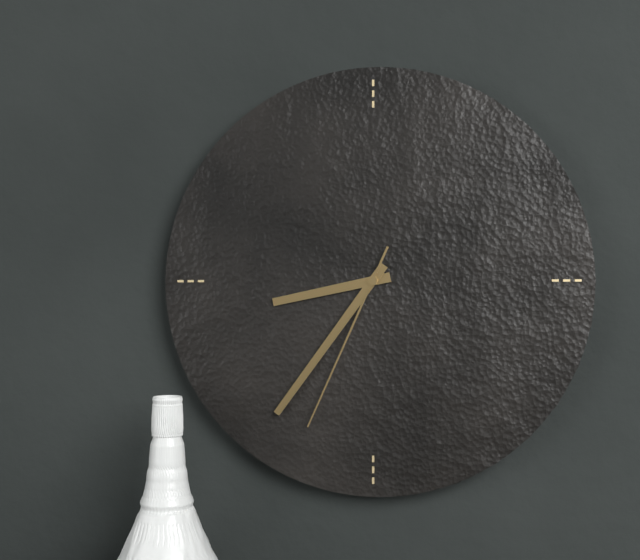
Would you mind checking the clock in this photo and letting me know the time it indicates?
8:36:34
